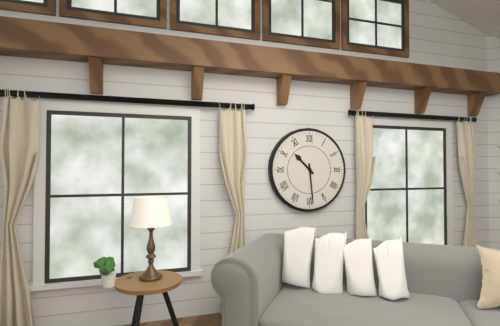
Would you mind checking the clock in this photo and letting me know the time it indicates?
10:29
